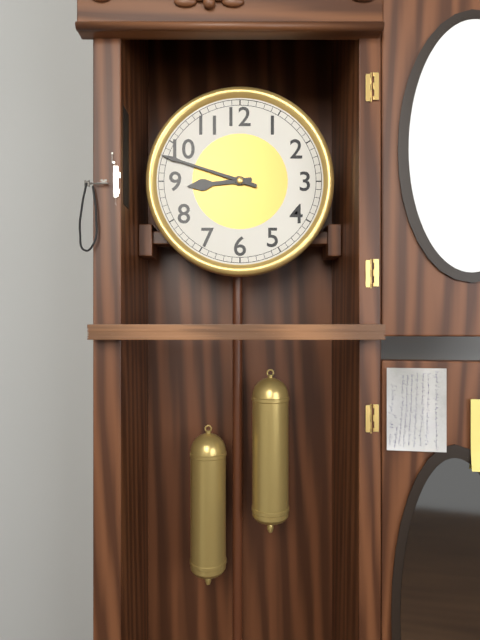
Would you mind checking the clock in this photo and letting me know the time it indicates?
8:48
